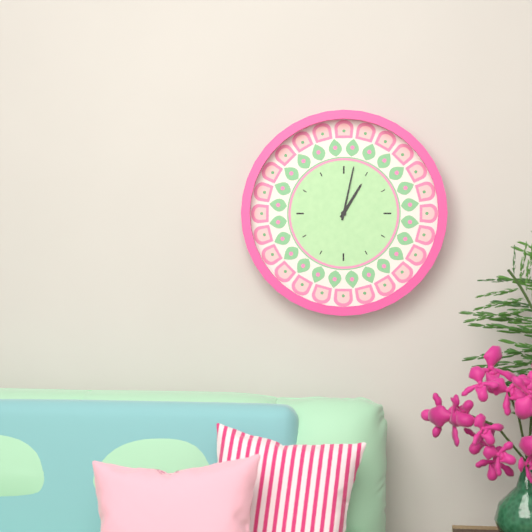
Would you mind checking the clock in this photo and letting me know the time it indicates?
1:02
